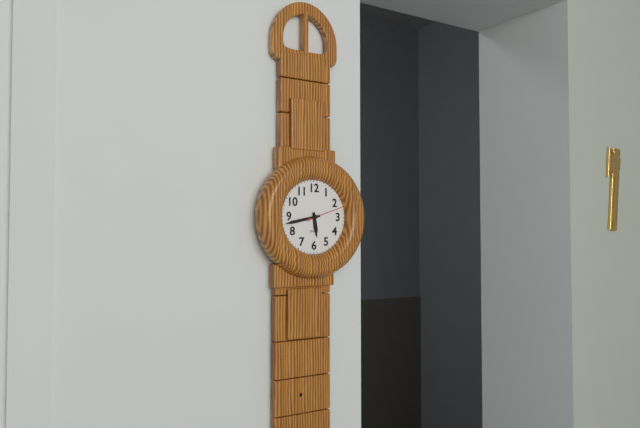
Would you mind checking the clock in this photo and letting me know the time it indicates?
5:43
